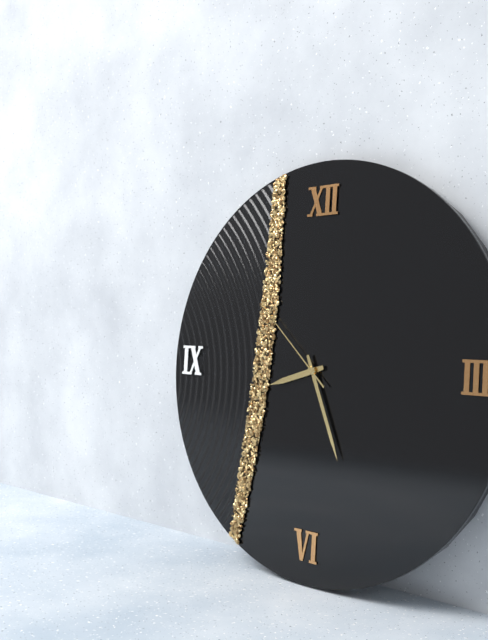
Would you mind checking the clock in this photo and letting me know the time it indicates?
8:26:52
